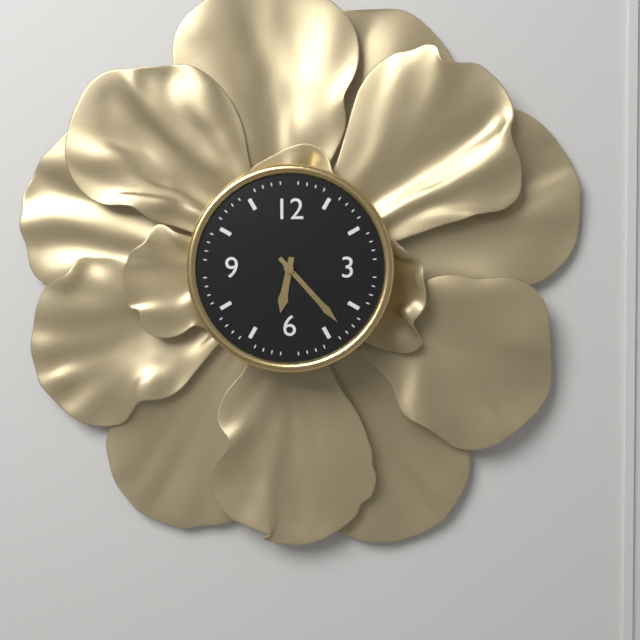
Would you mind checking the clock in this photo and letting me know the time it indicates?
6:23
